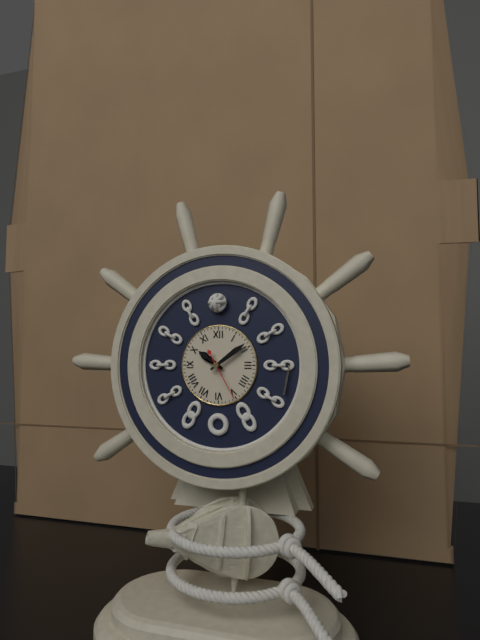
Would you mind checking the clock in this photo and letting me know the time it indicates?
10:09
